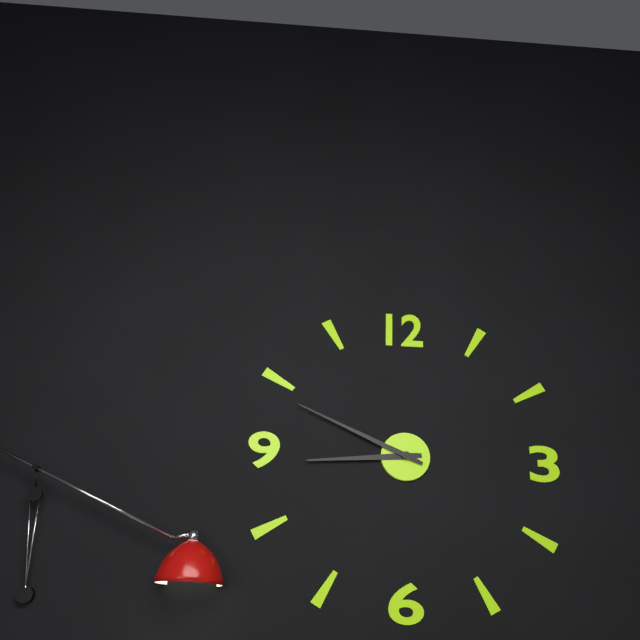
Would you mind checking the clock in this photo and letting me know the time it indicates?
8:49
